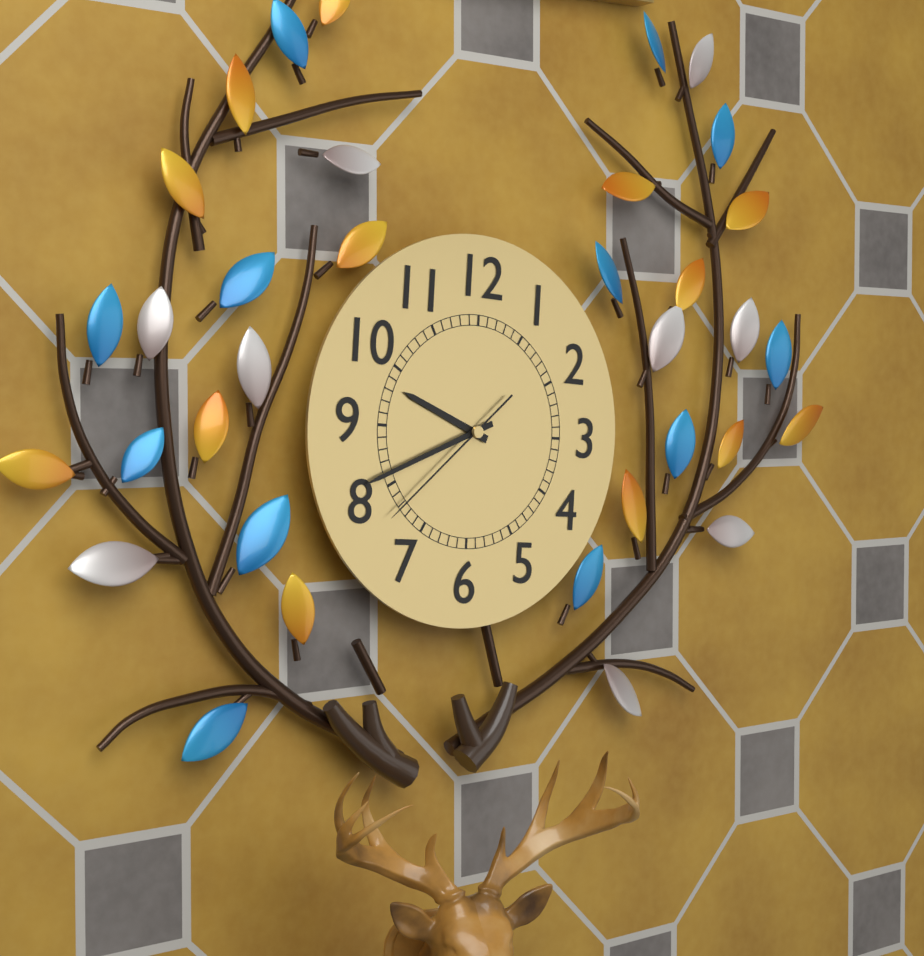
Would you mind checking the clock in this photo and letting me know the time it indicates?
9:41:38
